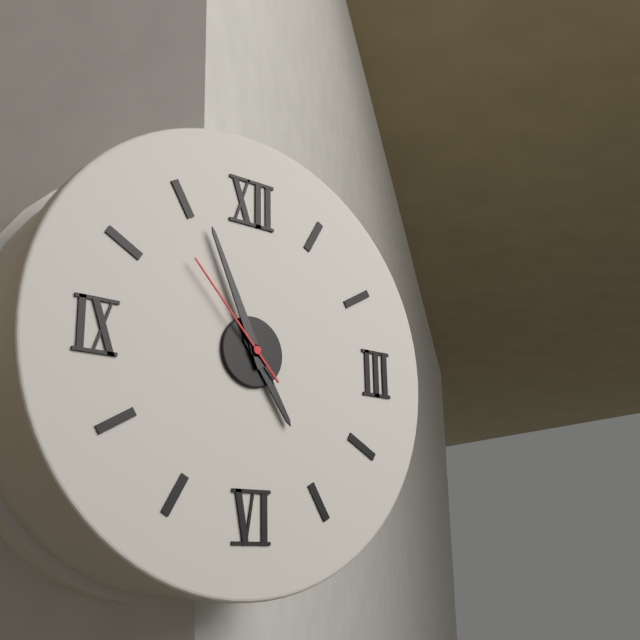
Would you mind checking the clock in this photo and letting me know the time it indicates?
4:56:53
